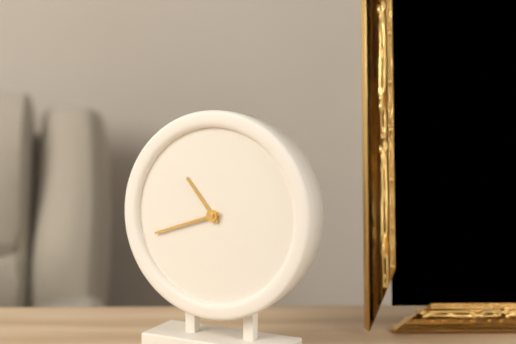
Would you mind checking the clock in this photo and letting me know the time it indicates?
10:42
